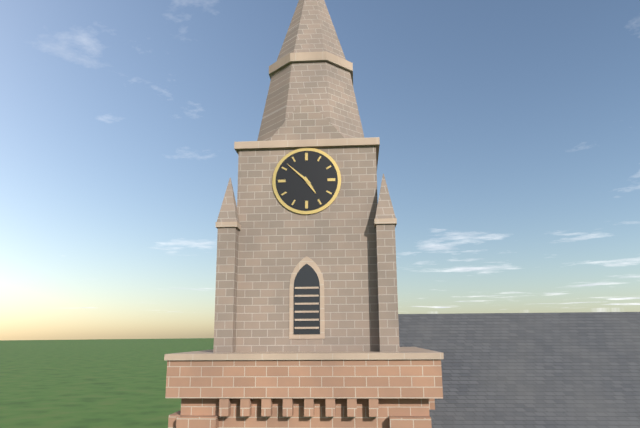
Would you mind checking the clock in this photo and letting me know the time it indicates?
4:52
